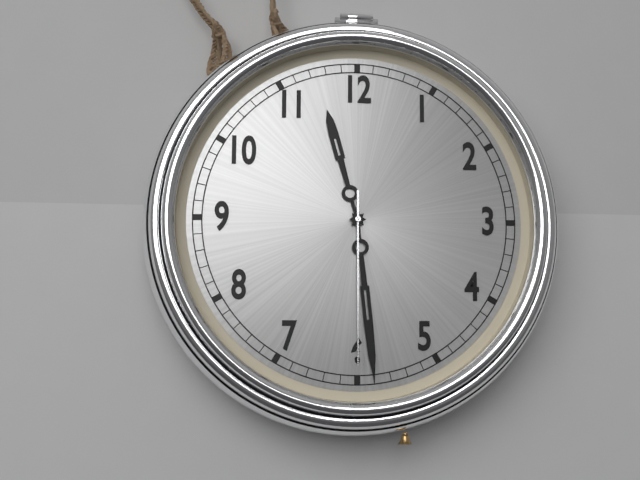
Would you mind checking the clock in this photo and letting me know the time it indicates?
11:29:30
